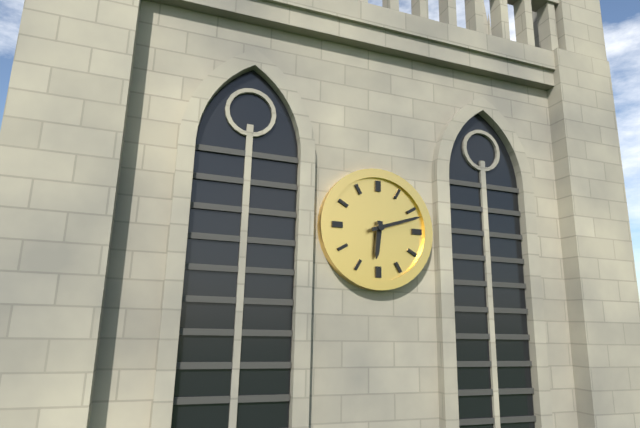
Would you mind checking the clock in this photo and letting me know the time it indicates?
6:12
